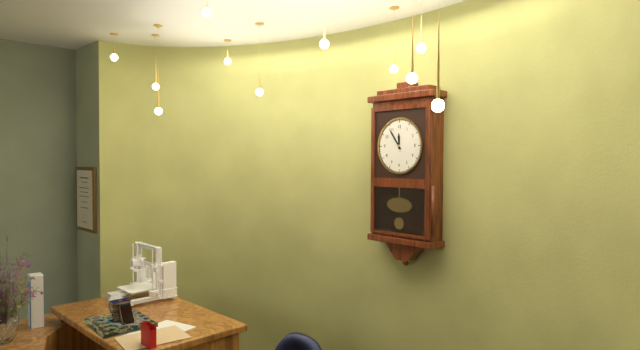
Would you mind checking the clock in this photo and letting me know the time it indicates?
11:54
